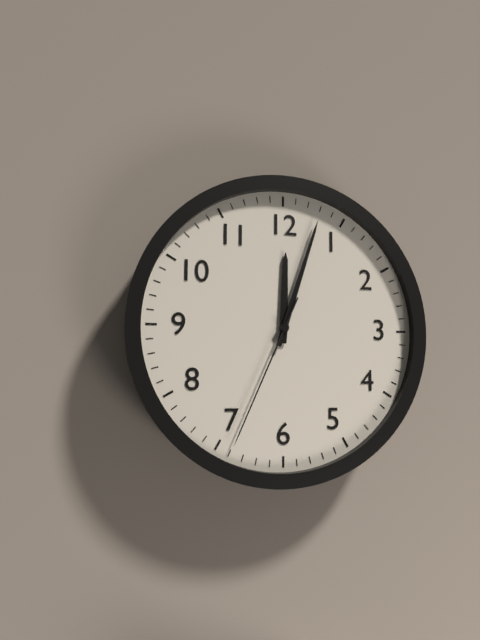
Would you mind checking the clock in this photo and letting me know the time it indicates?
12:03:34
